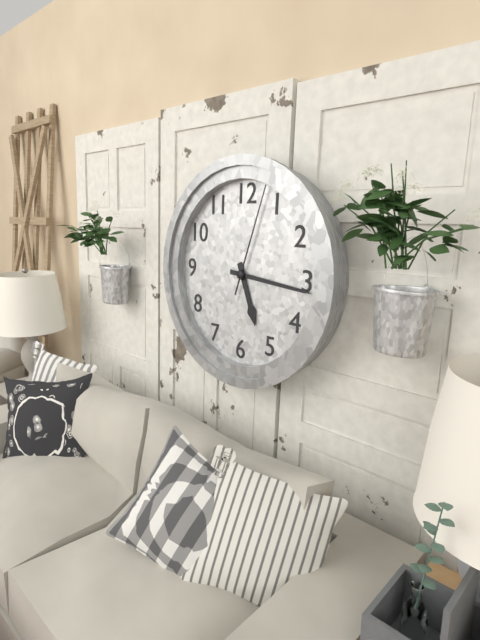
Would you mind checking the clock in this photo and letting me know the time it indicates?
5:16:03
